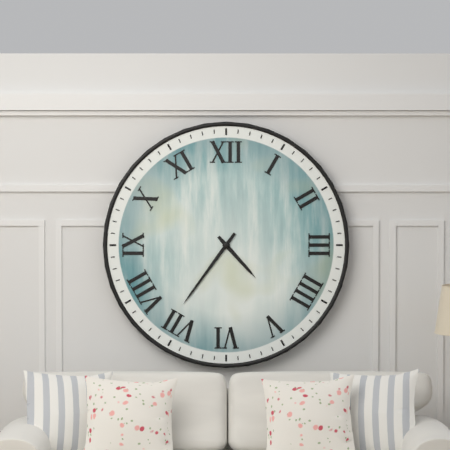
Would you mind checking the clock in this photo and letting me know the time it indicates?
4:36
